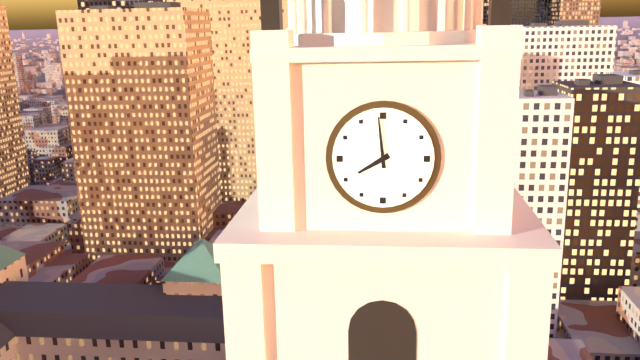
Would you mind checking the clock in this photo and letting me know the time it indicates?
7:59
